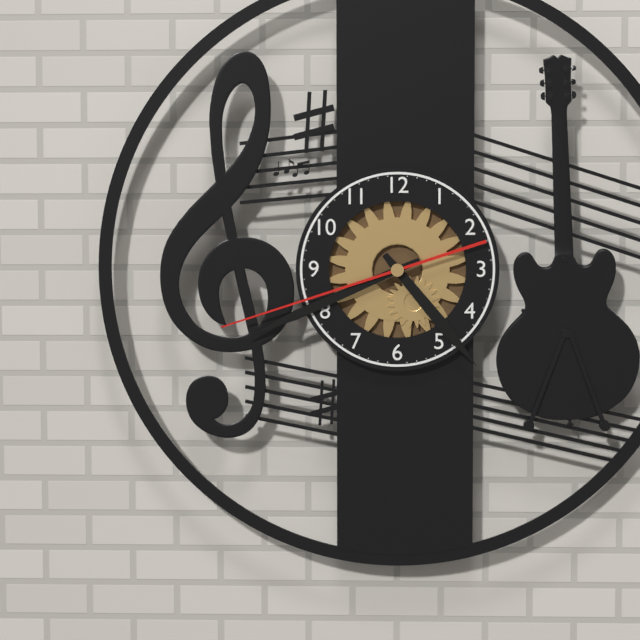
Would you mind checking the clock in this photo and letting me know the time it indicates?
4:41:42
